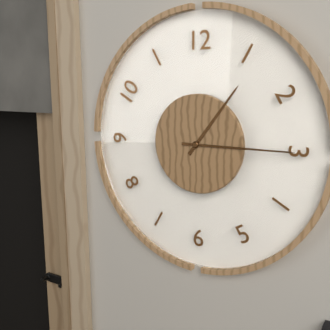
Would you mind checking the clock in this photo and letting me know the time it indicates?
1:15
